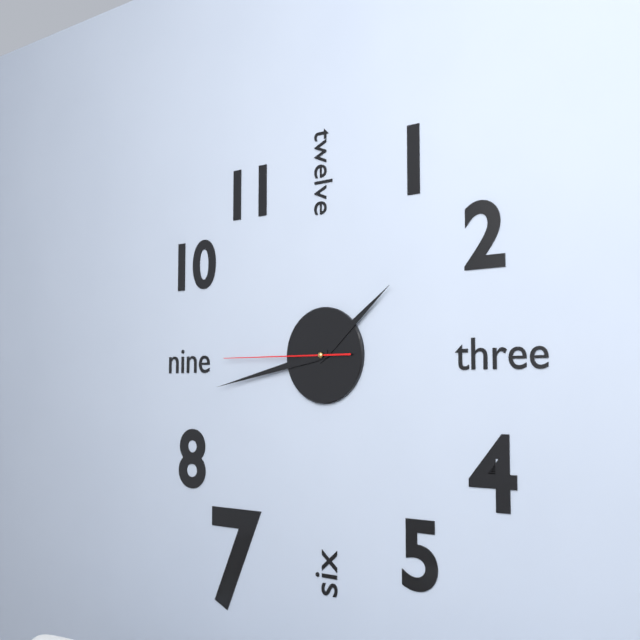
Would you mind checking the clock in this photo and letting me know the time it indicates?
1:43:45
